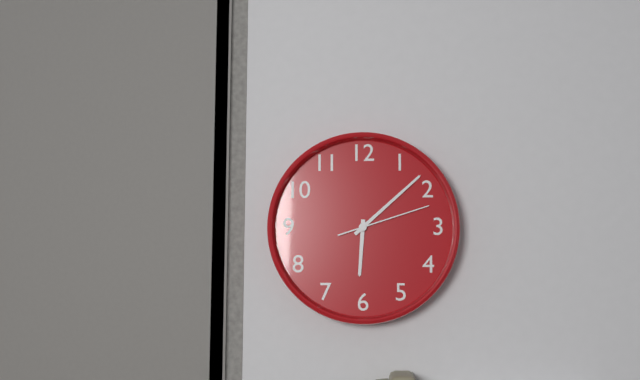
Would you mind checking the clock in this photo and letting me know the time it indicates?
6:08:12
